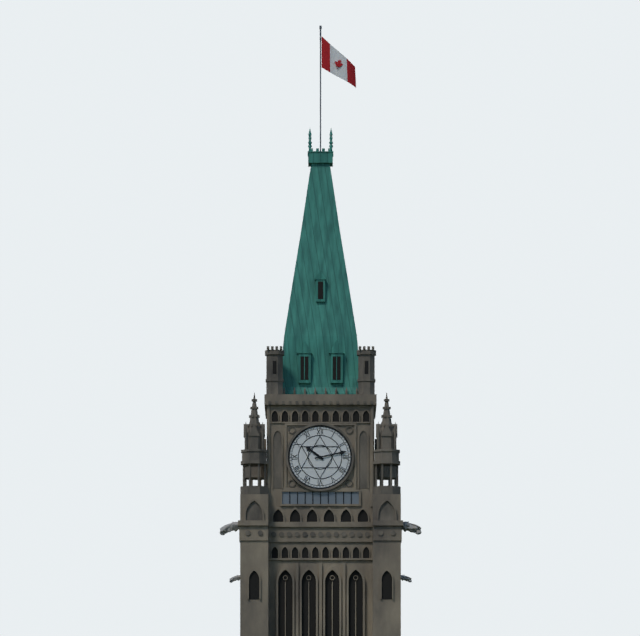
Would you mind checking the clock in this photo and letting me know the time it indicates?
10:13
